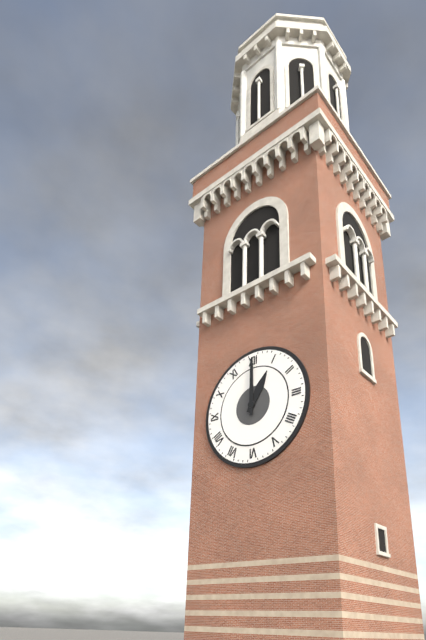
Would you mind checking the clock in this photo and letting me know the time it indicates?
1:00
